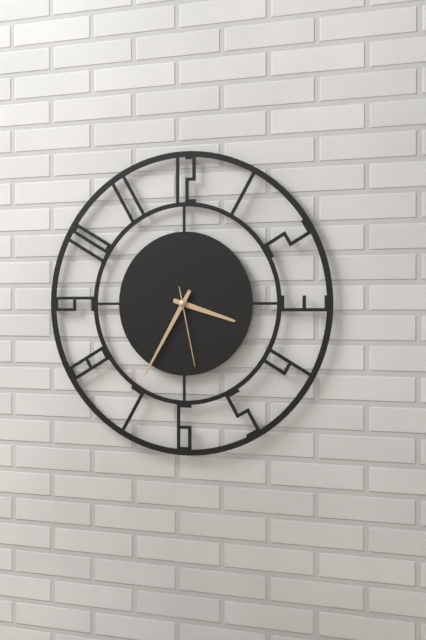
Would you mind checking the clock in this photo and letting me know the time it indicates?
3:35:28
